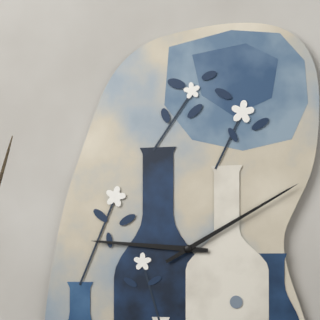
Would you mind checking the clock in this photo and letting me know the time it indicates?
9:10
